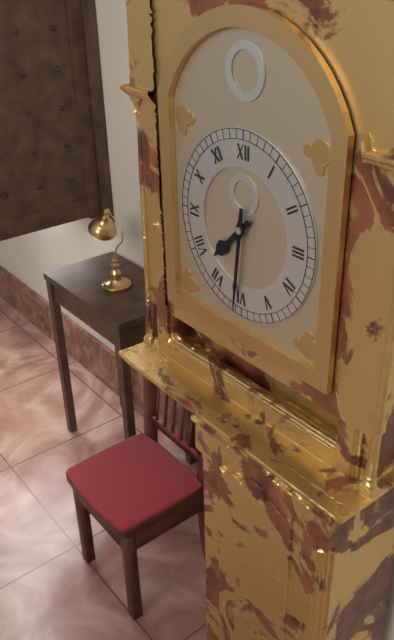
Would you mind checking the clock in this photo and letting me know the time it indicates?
7:31
